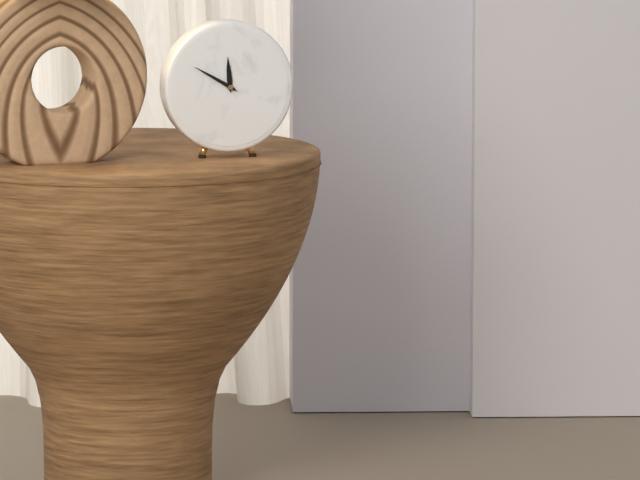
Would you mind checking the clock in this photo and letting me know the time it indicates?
11:50
